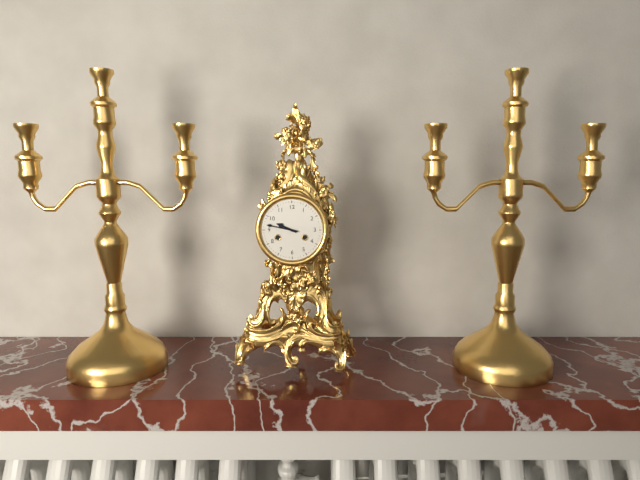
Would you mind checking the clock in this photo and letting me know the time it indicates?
9:47
